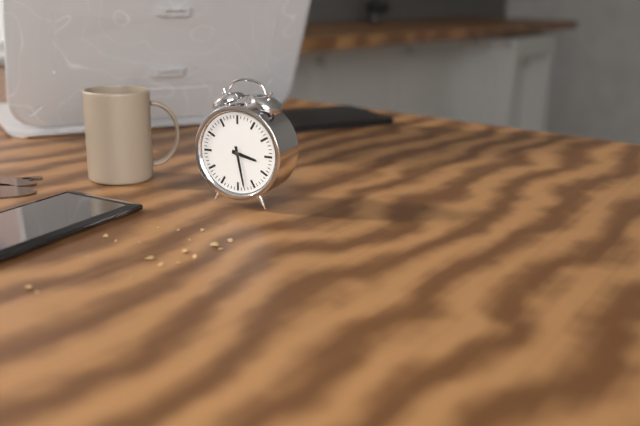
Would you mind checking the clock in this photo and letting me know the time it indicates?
3:28
